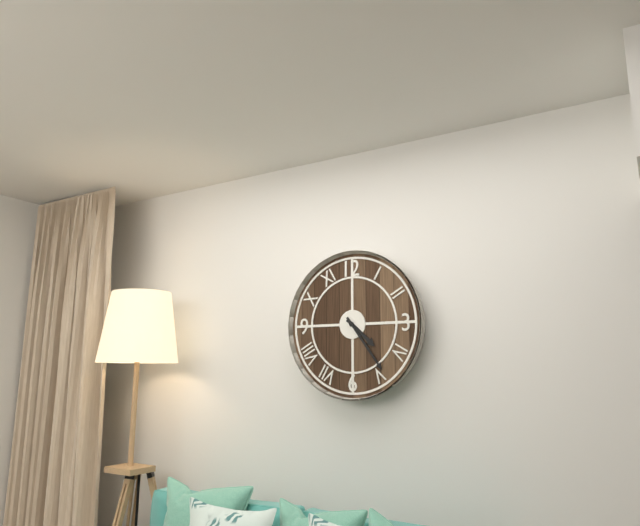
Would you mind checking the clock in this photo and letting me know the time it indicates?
4:24
